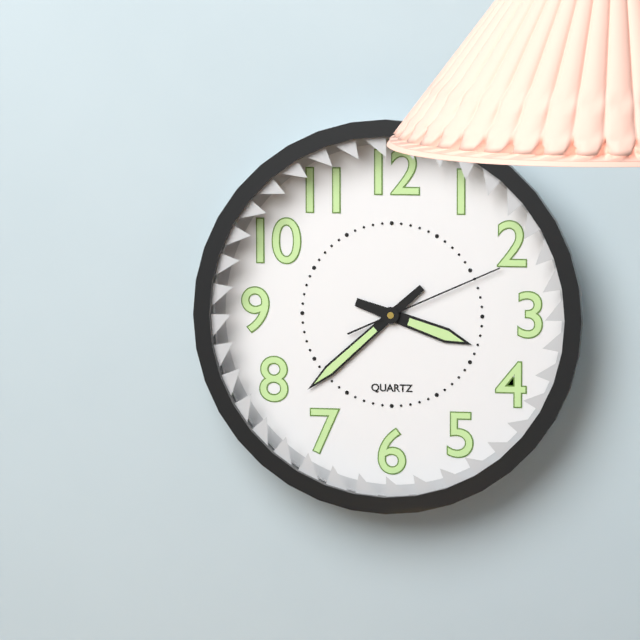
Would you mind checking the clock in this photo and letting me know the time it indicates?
3:38:11
